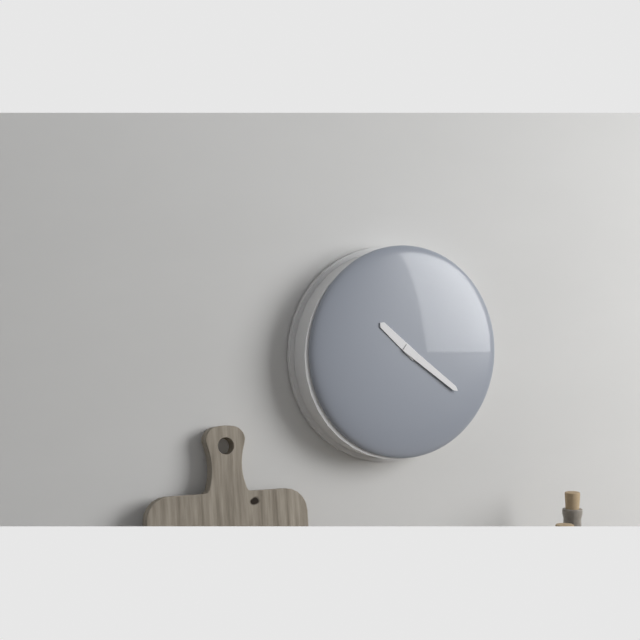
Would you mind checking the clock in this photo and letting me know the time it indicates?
10:21
